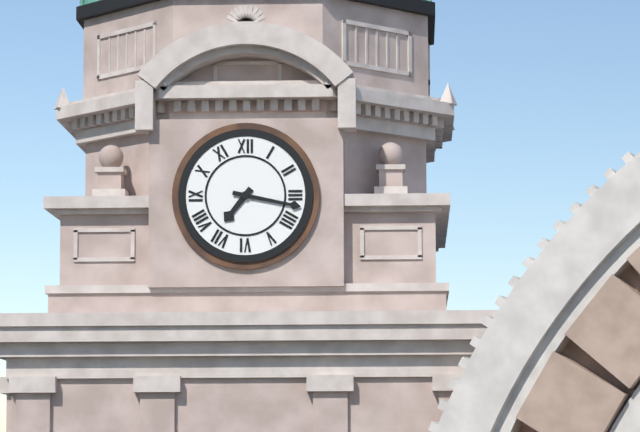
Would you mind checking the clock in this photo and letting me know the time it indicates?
7:17
